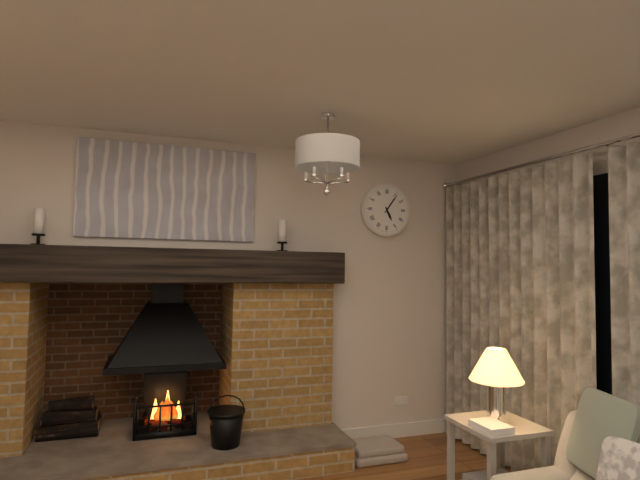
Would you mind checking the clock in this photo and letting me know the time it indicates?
5:06
